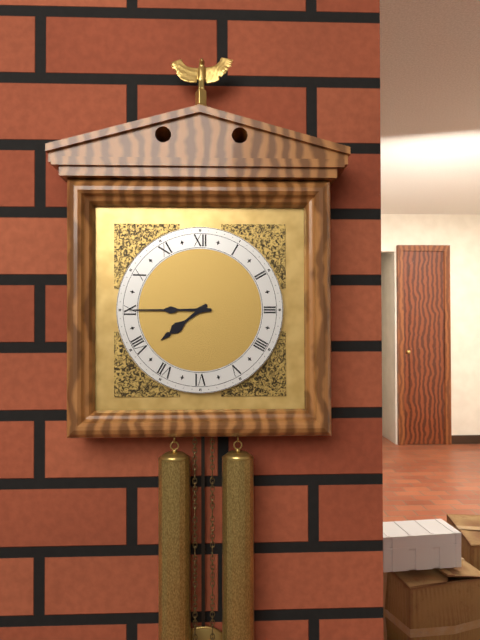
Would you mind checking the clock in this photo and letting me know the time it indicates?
7:45
